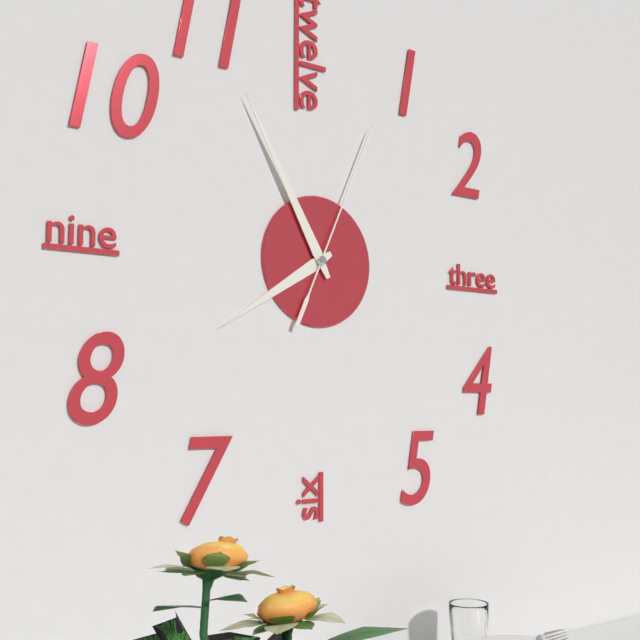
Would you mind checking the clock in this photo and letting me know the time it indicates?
7:55:04
